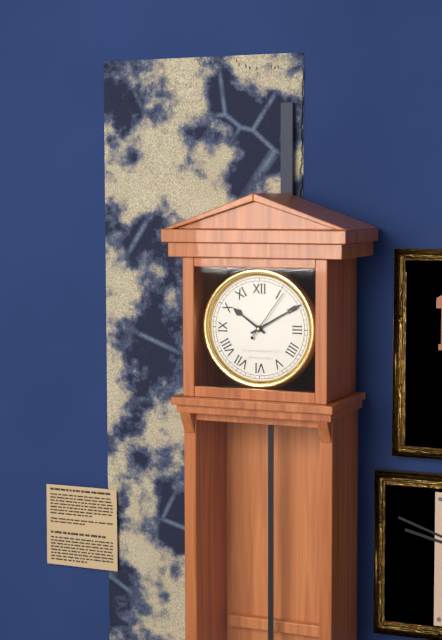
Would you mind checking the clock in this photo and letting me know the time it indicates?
10:10:06
